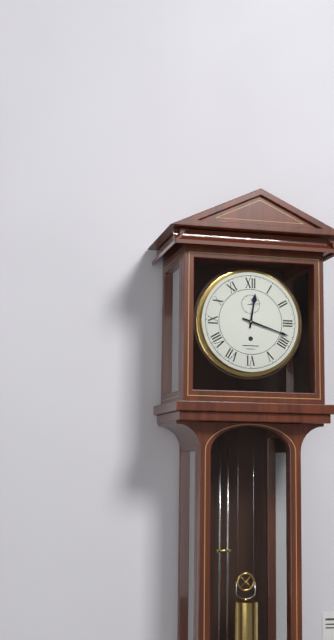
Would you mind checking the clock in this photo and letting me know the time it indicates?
12:18
